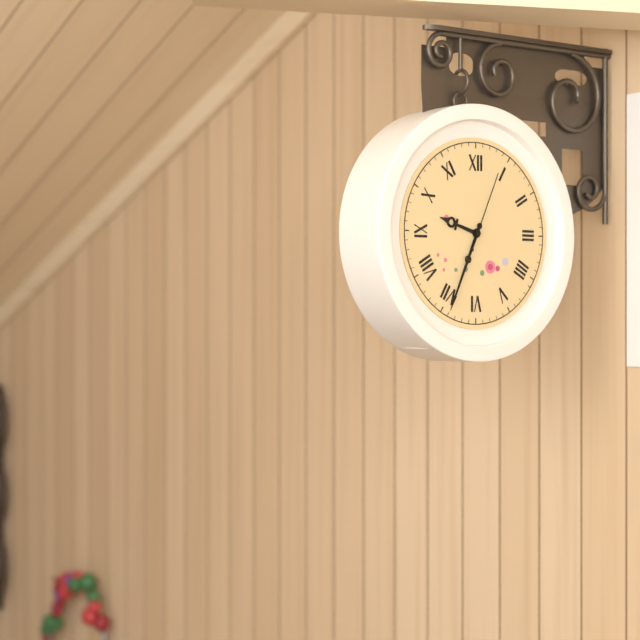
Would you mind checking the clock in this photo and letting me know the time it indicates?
9:34:04
